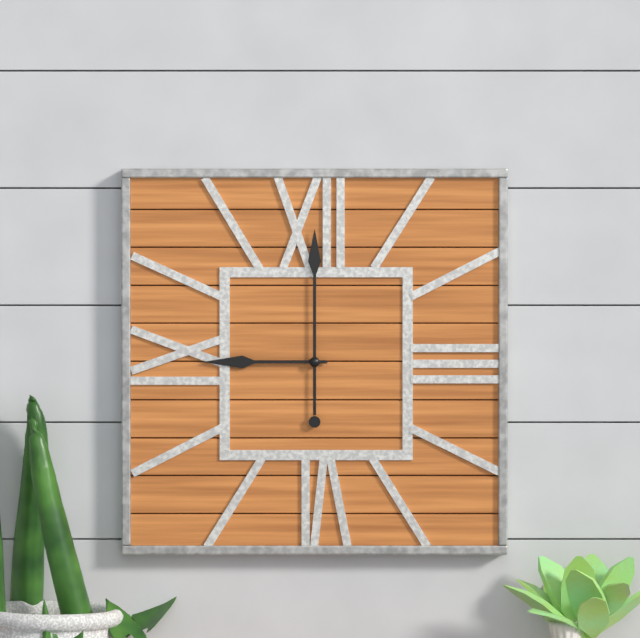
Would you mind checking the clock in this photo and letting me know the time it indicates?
9:00
